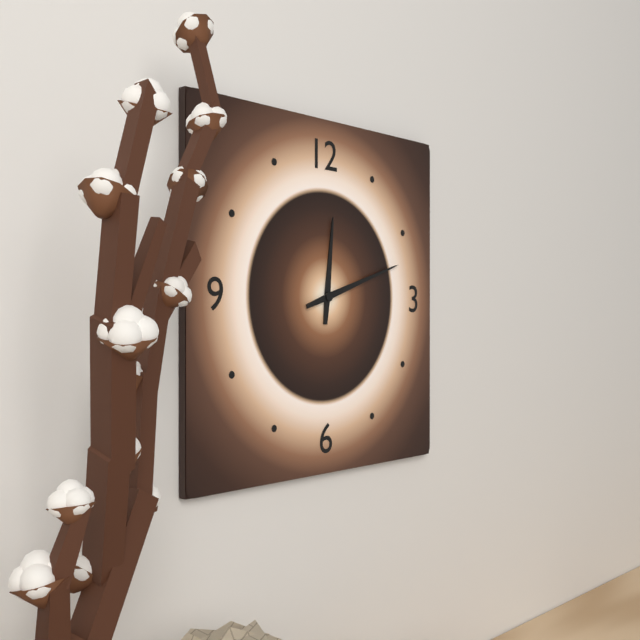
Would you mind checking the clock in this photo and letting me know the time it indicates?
12:12
